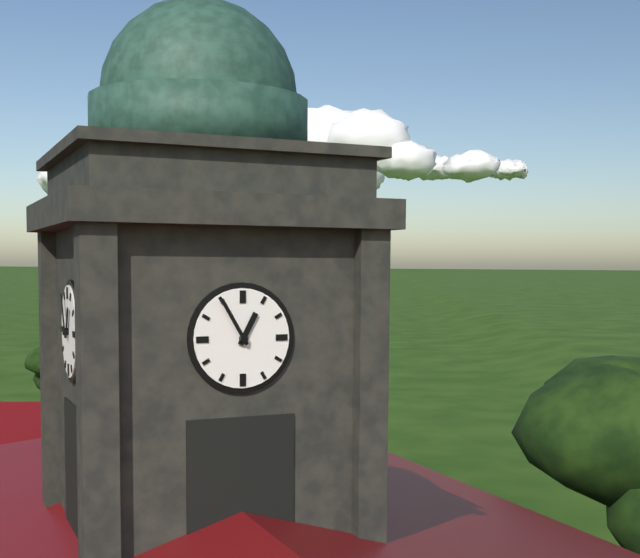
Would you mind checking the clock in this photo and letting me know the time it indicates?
12:55
